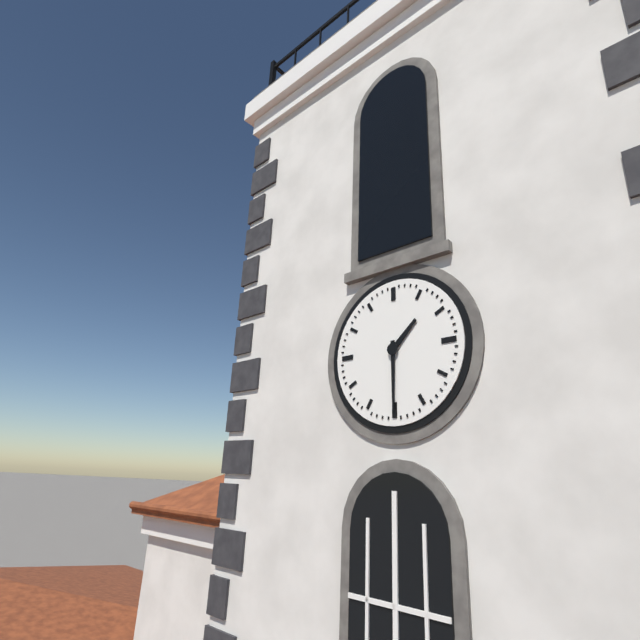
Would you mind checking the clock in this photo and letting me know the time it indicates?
1:30
